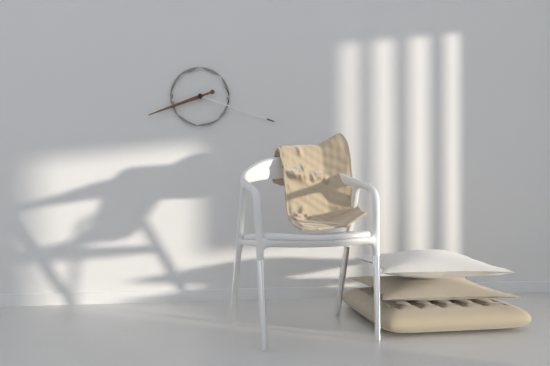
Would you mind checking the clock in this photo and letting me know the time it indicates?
8:18
